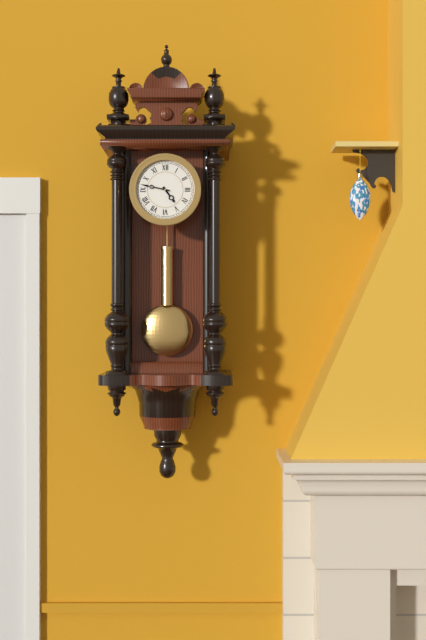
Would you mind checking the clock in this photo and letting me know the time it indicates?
4:47
